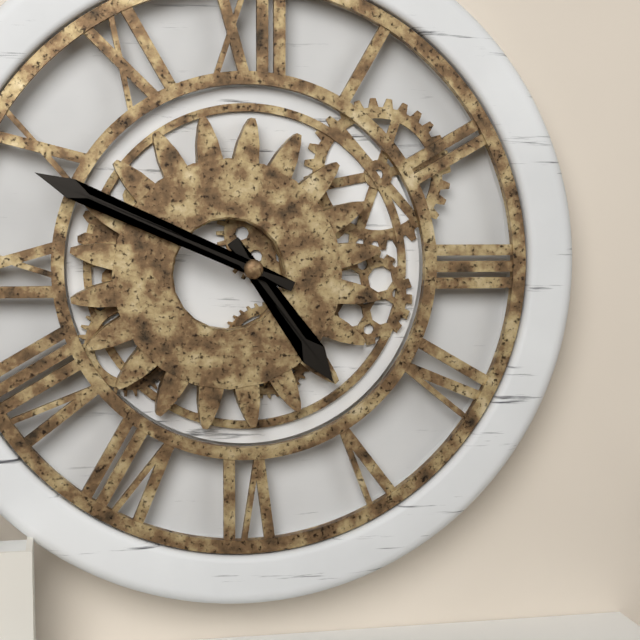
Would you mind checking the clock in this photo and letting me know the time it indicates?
4:49
